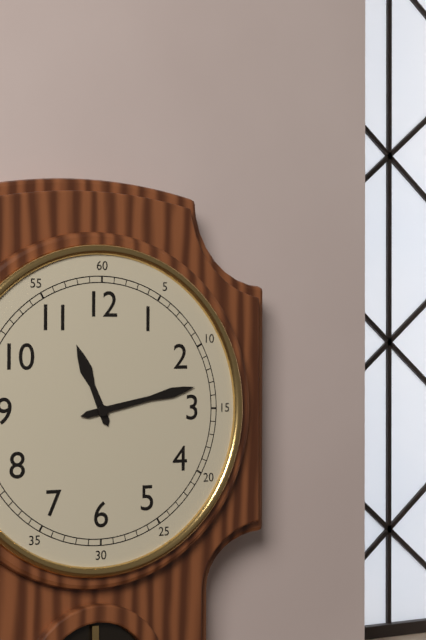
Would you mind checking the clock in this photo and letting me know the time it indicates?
11:13
